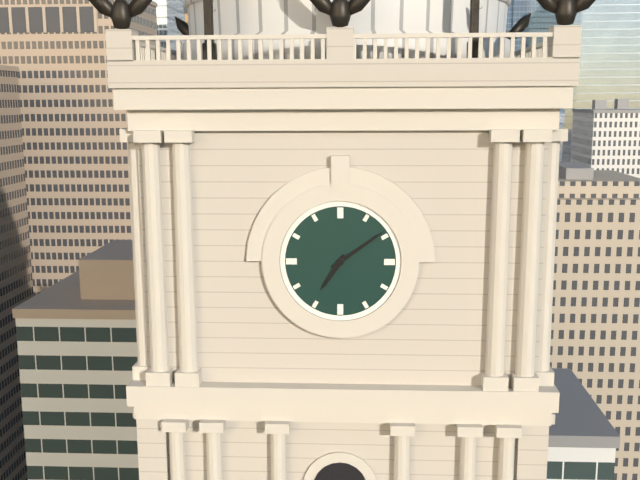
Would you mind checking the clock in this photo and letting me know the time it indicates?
7:09
